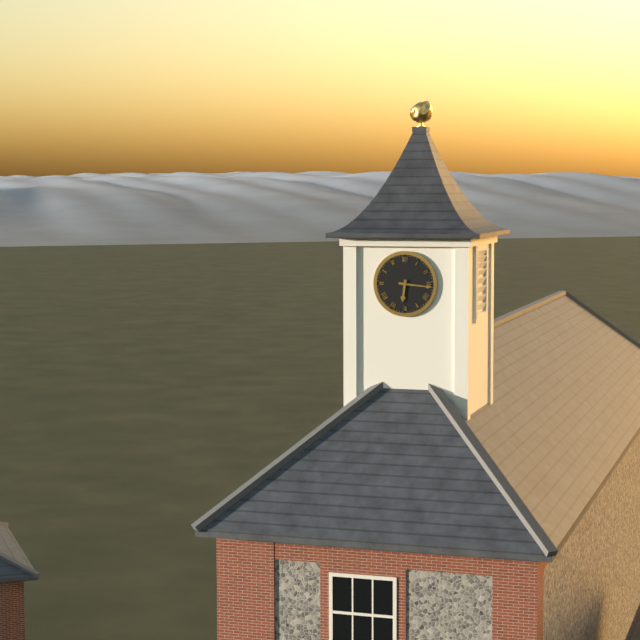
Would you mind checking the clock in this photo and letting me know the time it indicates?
6:16
